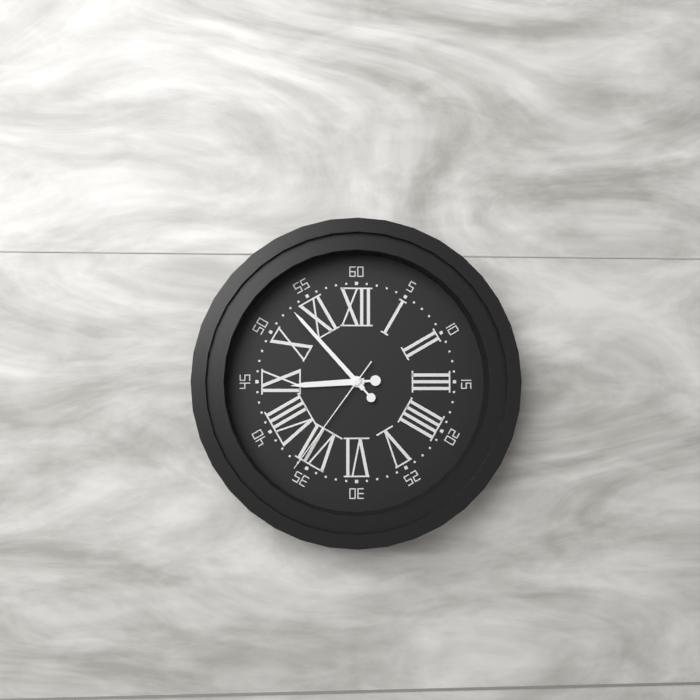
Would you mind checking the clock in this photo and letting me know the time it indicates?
8:53:36
